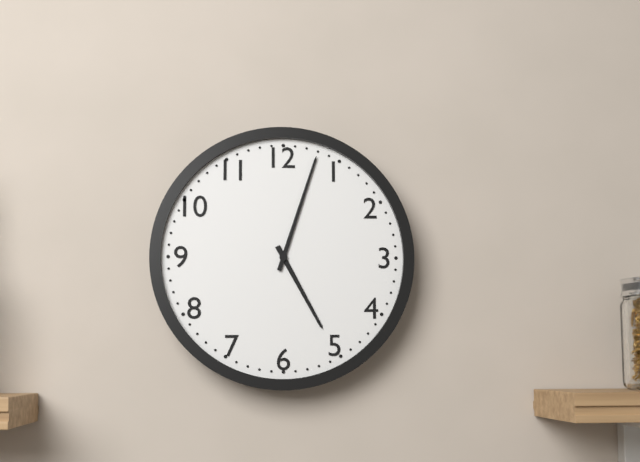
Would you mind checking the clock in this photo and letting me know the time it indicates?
5:03
